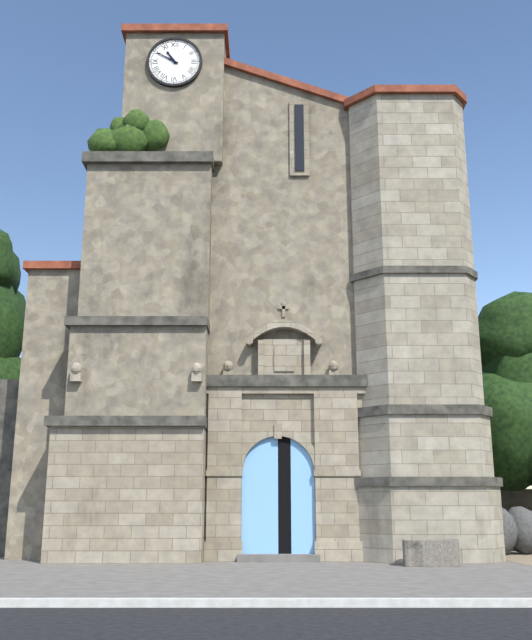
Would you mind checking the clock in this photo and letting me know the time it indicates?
10:50
